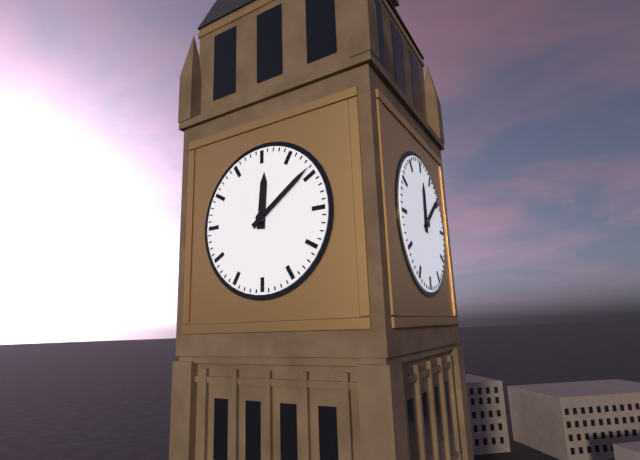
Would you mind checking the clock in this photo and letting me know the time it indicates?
12:09
